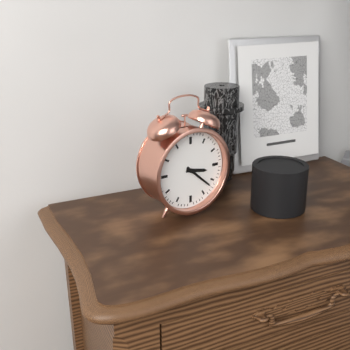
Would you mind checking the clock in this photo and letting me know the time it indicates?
3:22
